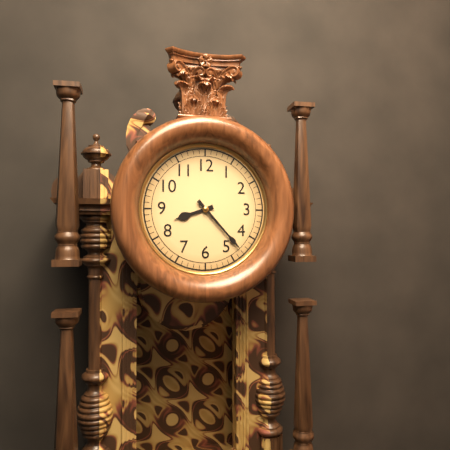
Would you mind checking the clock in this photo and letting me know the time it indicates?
8:23
